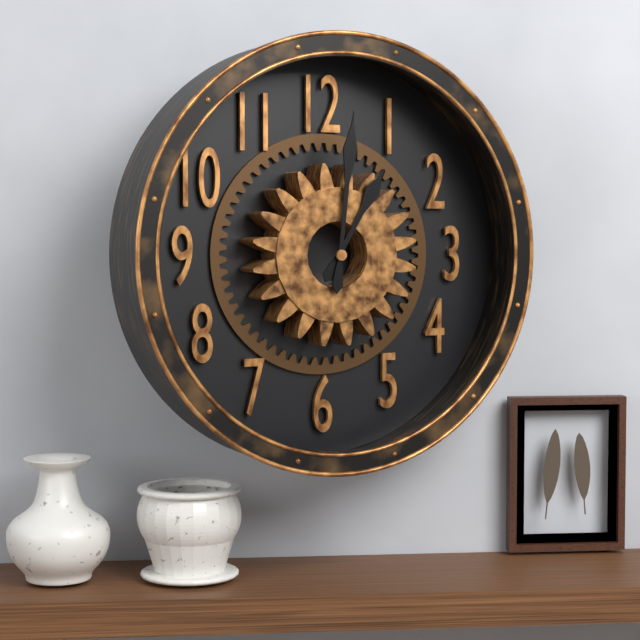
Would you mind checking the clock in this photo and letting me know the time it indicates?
1:01
